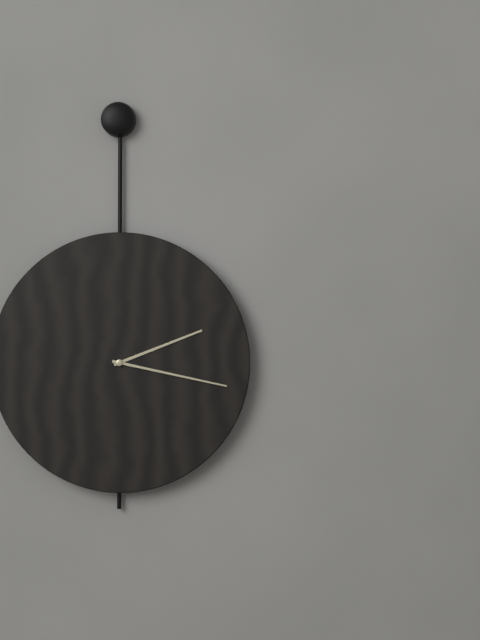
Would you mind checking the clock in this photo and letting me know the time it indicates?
2:17
